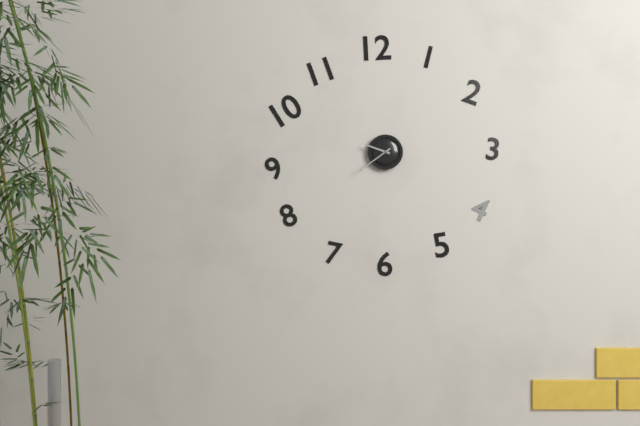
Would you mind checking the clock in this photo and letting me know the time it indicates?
9:39
